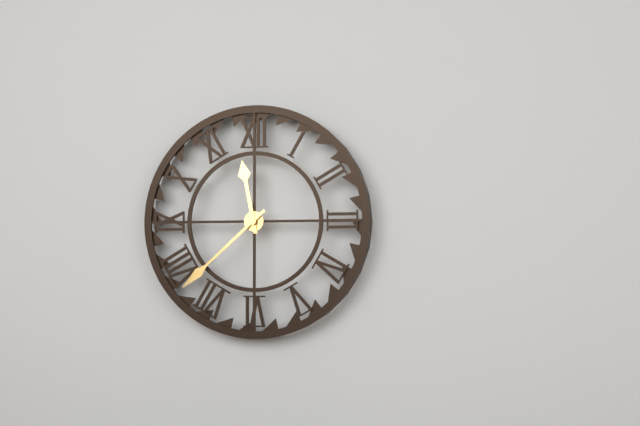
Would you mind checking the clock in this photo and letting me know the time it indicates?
11:38
